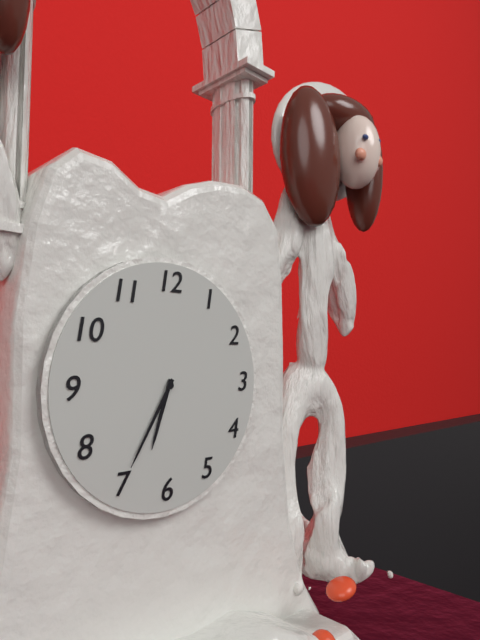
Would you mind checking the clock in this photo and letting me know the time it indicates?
6:35
